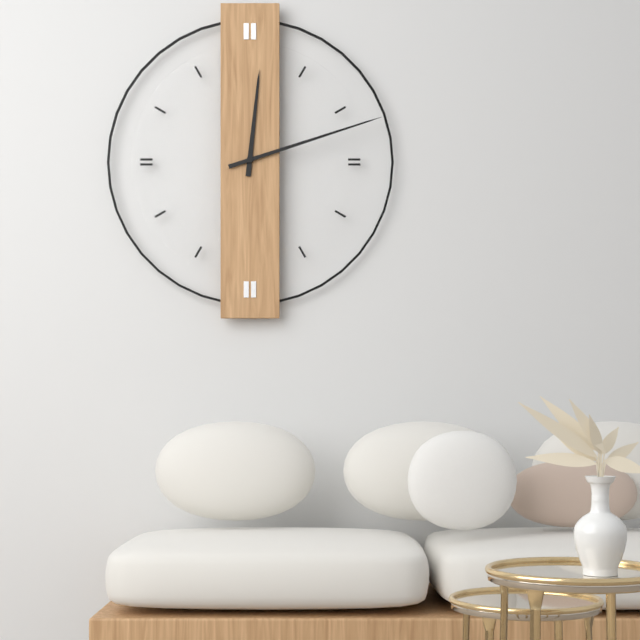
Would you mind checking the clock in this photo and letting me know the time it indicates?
12:12
